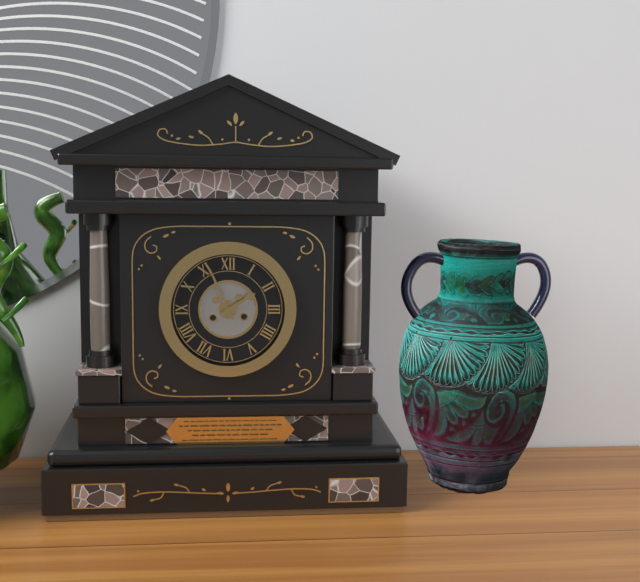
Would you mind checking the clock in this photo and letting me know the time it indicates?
1:56
